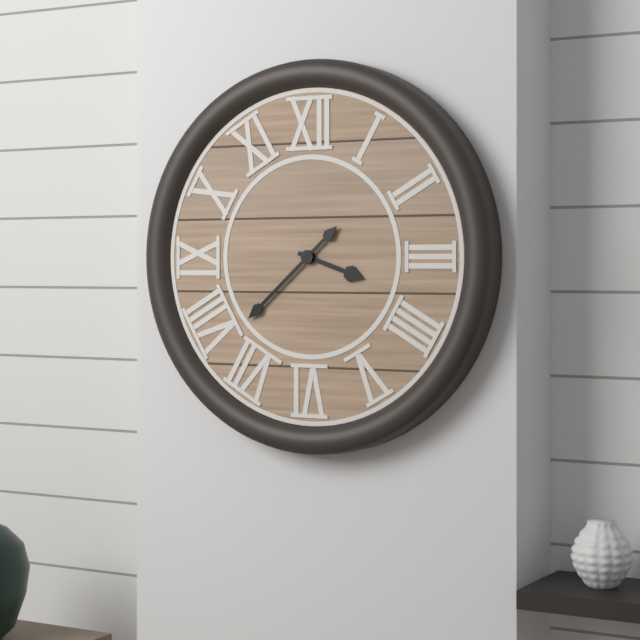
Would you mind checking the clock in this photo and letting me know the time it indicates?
3:38
